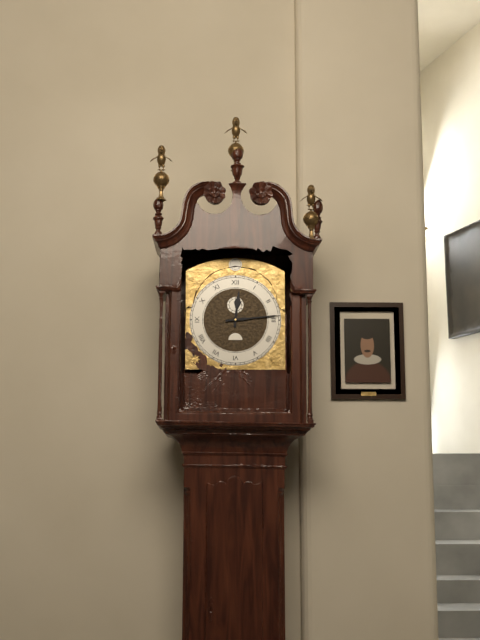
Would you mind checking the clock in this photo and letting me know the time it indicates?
12:14
